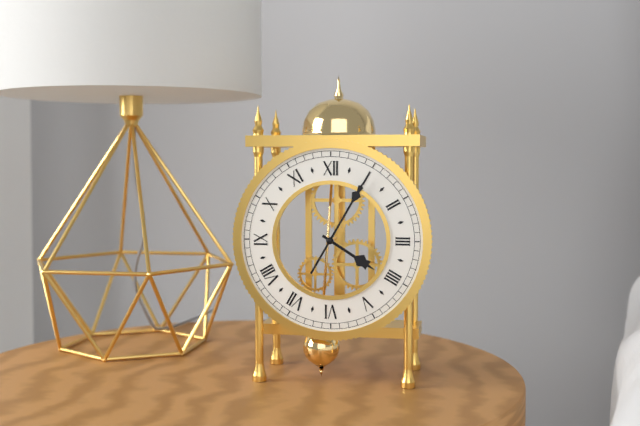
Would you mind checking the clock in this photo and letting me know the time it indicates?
4:05
